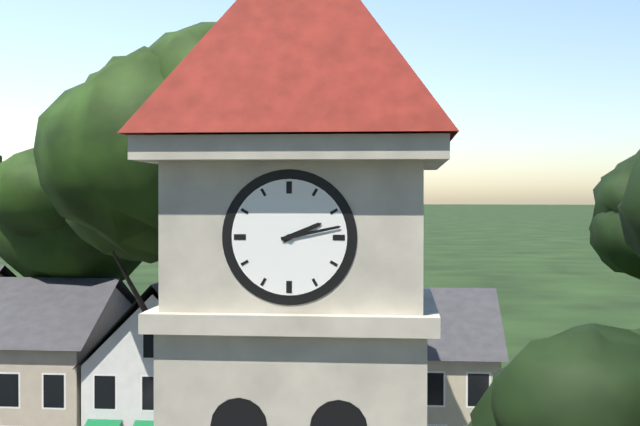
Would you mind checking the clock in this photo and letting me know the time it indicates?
2:13
